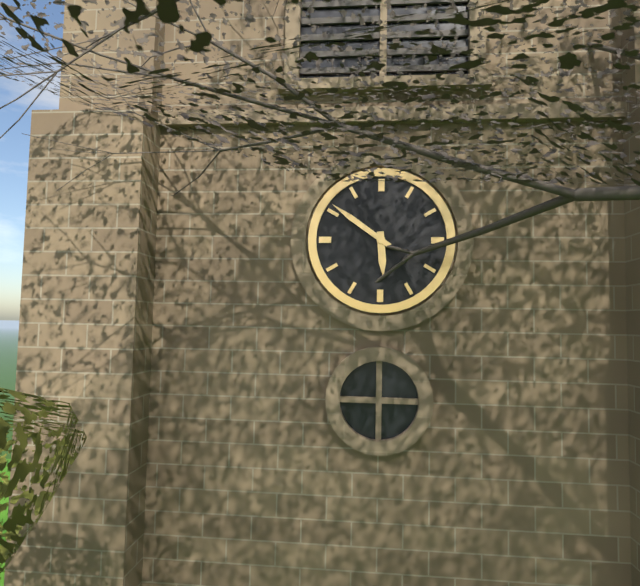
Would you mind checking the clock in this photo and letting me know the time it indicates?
5:51
